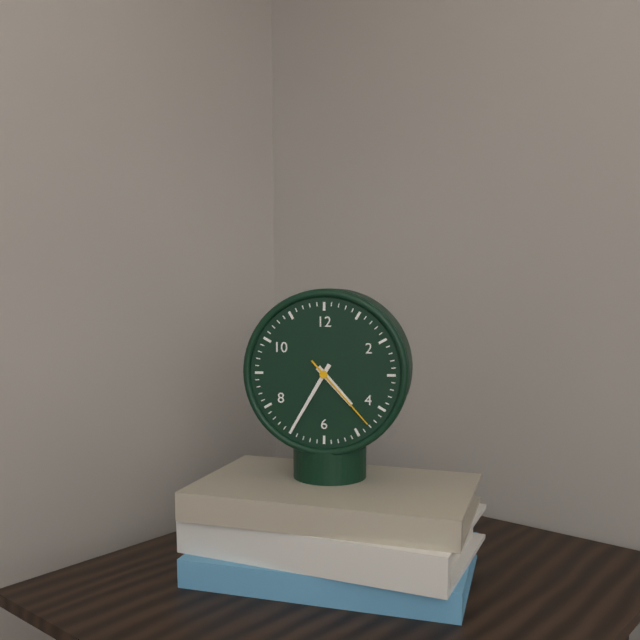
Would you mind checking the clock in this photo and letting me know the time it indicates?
4:35:23
